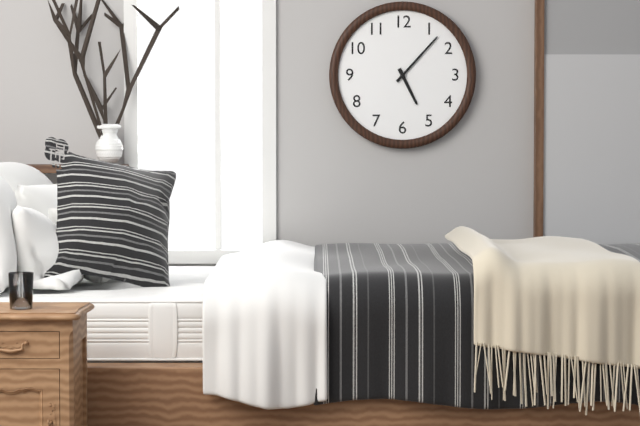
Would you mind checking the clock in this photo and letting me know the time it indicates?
5:07
